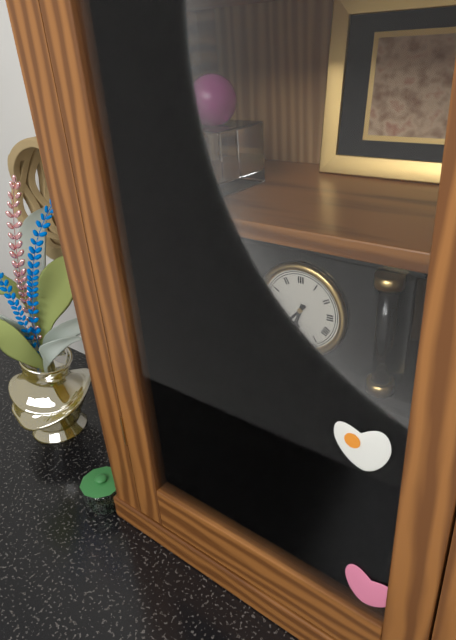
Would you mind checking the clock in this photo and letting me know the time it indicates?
6:37
